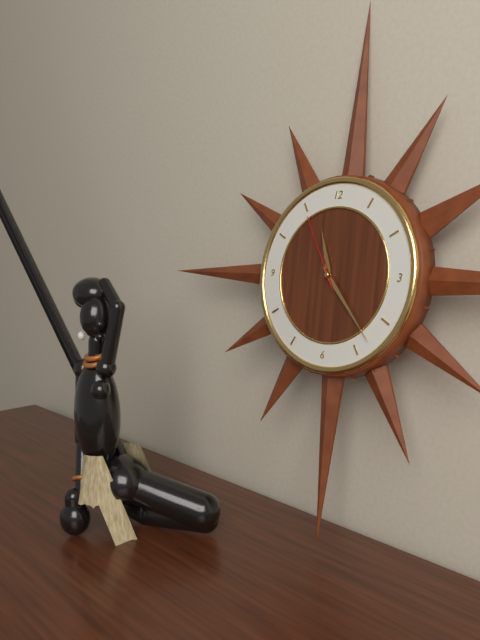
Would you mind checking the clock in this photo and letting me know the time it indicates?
11:23:55
